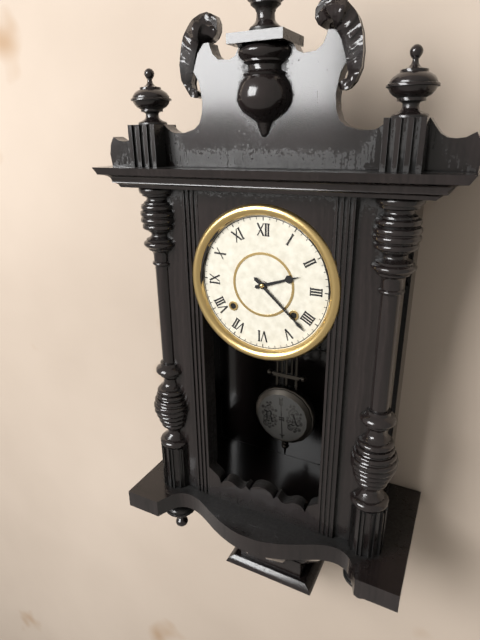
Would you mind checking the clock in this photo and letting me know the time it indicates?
2:22
